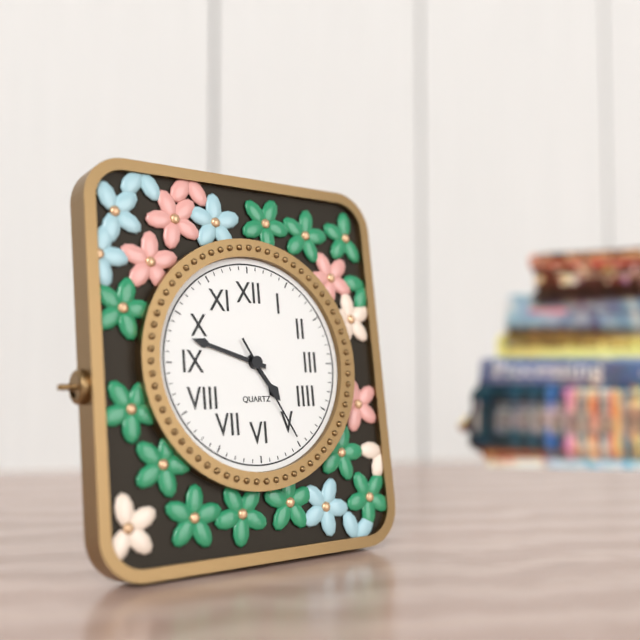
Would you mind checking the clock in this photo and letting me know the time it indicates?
4:48:25
